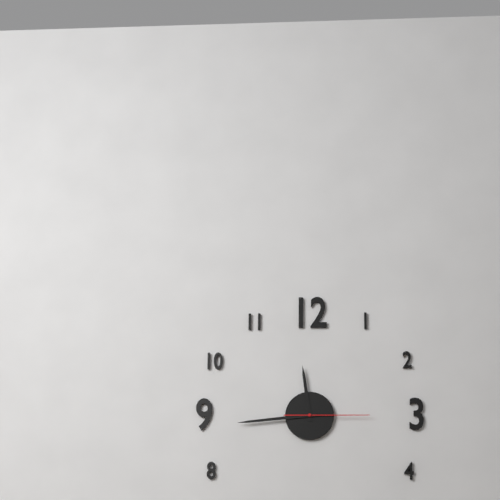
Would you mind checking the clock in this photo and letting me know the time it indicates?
11:44:15
